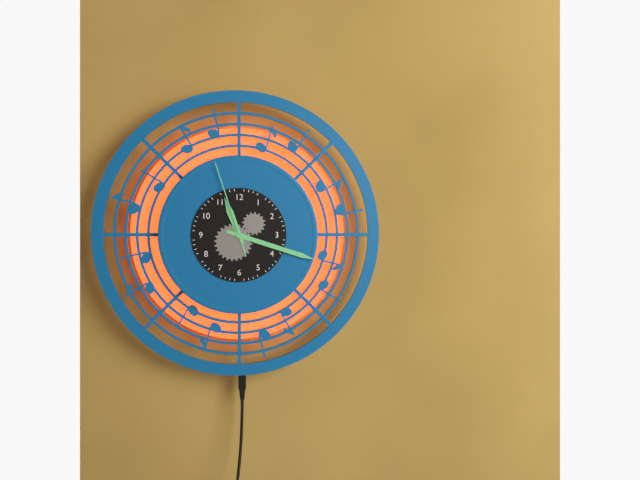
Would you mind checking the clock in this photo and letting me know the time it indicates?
11:18:57
